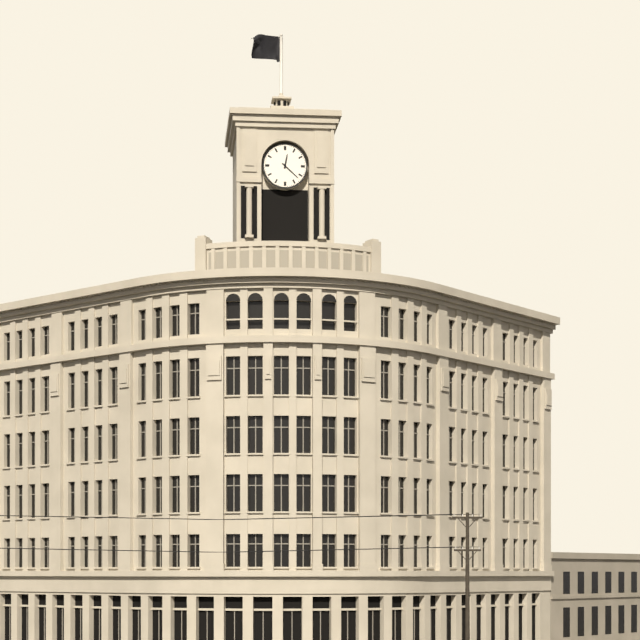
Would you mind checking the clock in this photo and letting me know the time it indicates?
12:22
